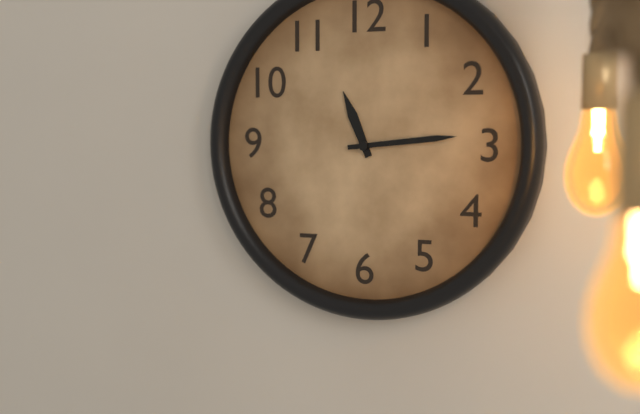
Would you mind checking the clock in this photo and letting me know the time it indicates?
11:14
